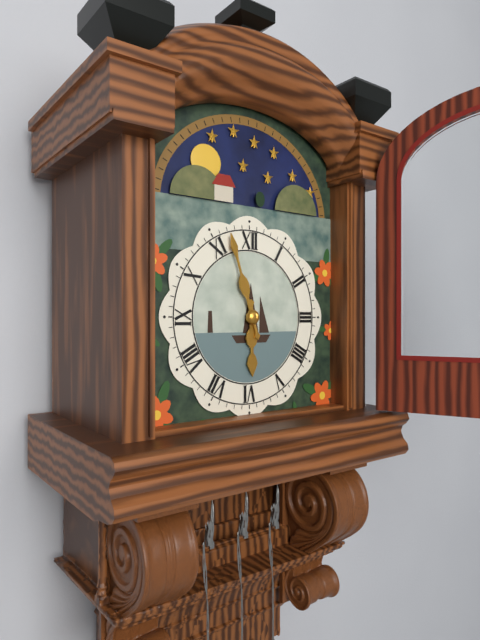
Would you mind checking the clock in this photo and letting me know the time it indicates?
5:57
